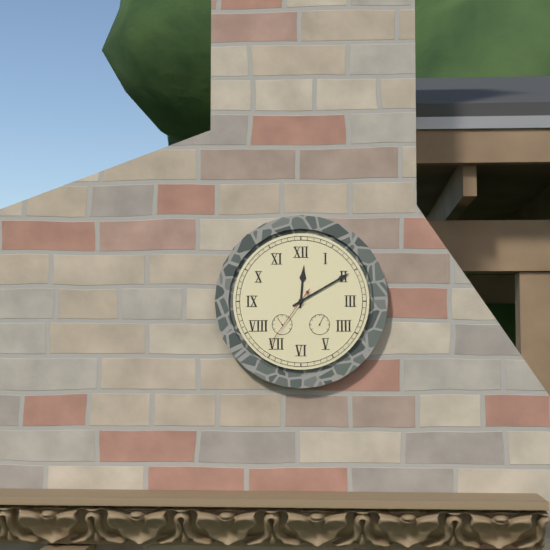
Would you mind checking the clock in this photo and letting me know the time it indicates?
12:10:36
